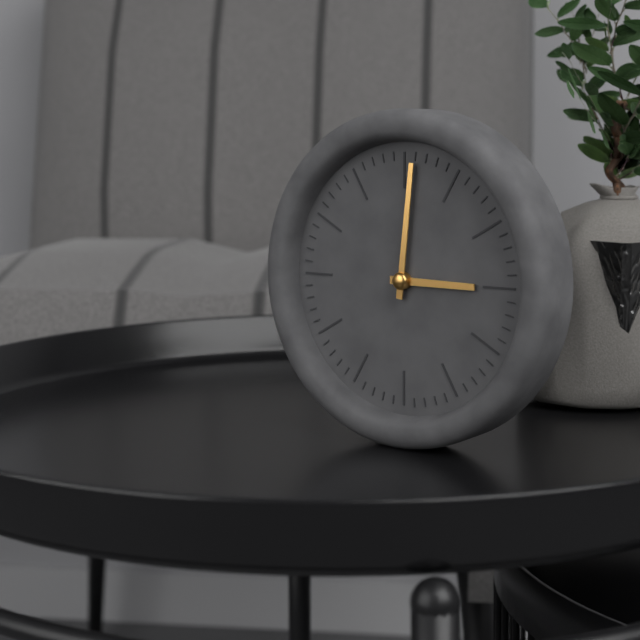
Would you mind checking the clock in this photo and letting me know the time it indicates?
3:01
